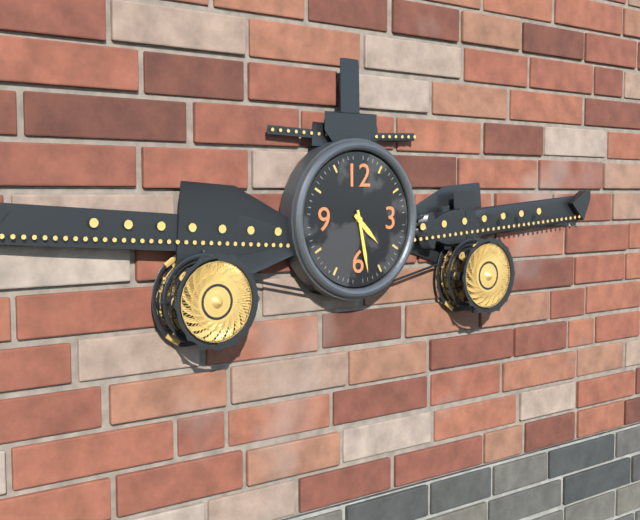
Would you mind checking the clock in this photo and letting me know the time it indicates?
4:28
